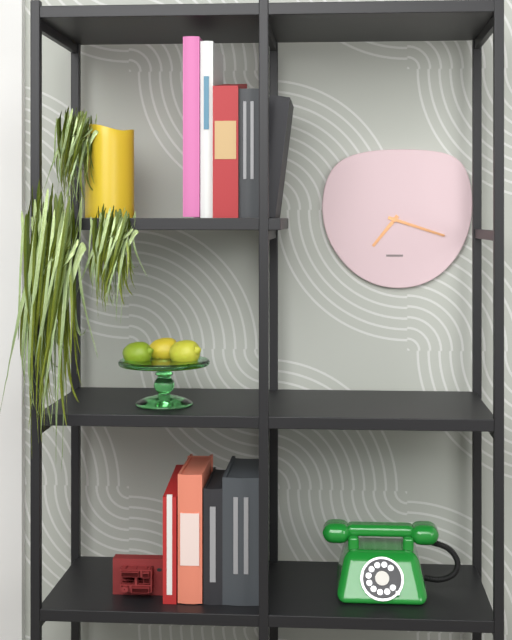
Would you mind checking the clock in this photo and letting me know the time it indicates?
7:18
